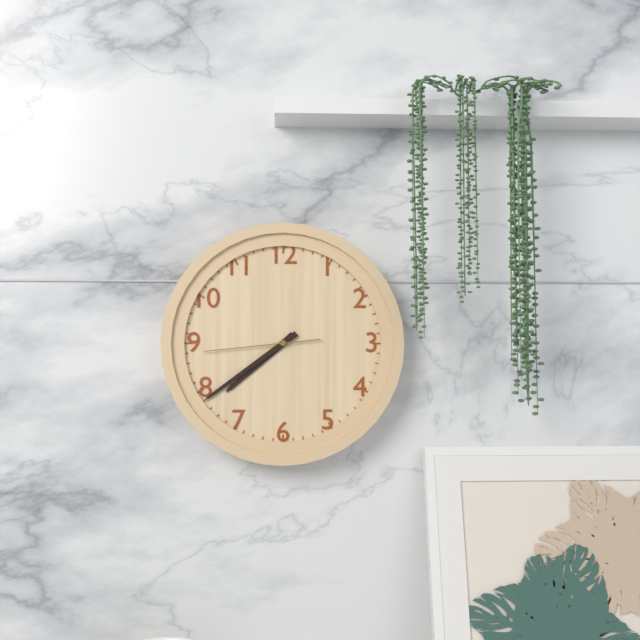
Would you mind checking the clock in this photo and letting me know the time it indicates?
7:39:44
